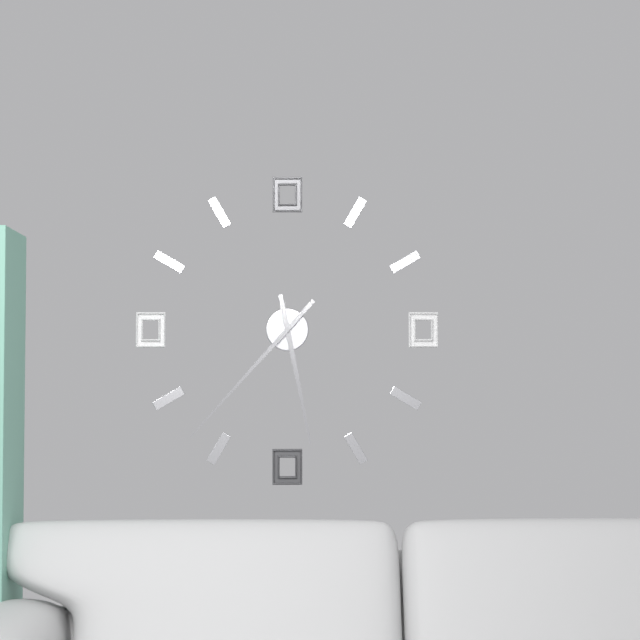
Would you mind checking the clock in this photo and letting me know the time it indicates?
5:37
